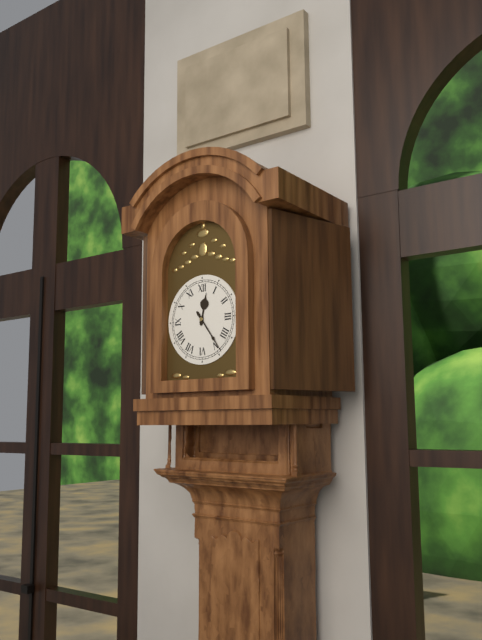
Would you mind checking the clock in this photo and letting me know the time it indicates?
12:24
